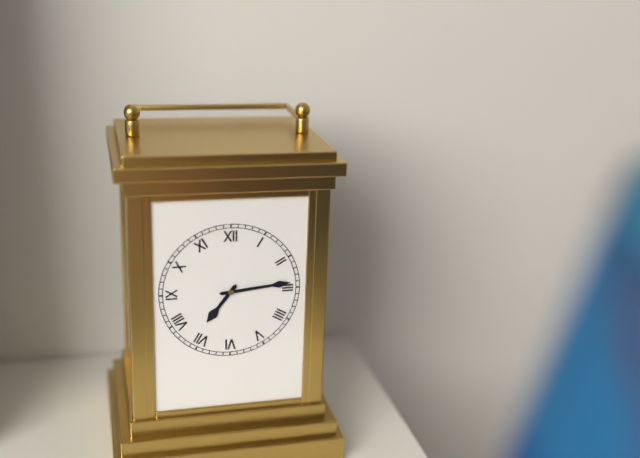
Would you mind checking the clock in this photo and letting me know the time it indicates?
7:14
